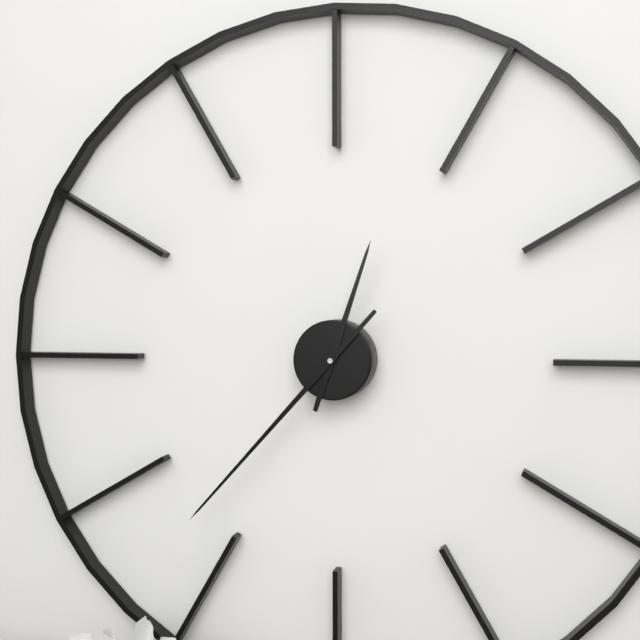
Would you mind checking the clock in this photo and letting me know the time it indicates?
12:37
